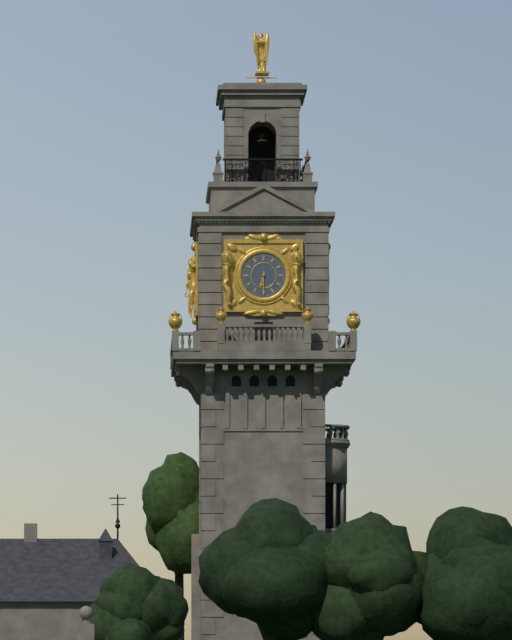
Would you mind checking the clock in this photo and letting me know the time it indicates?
6:30
